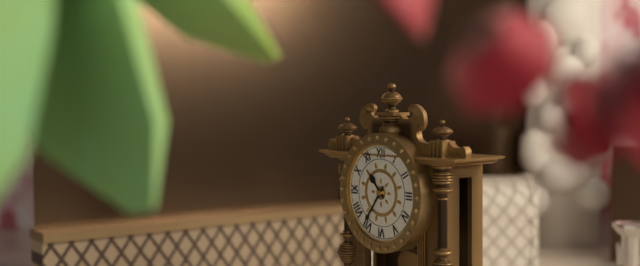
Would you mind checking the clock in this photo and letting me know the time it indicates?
10:36
